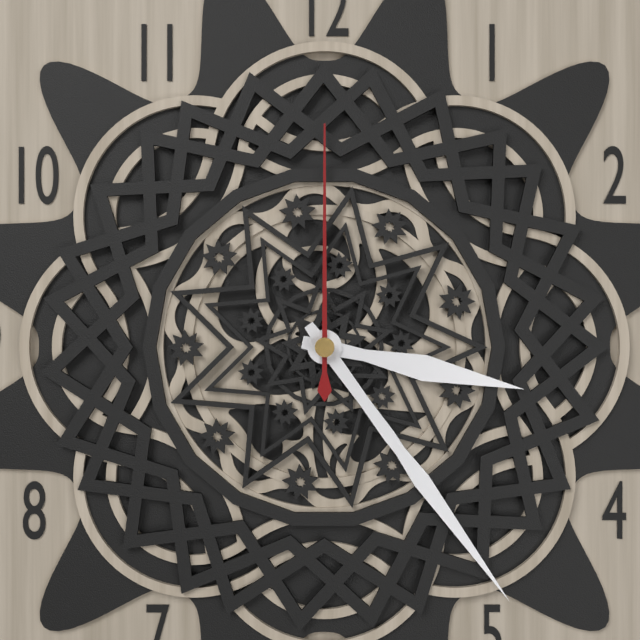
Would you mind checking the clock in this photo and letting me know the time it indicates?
3:24:00
